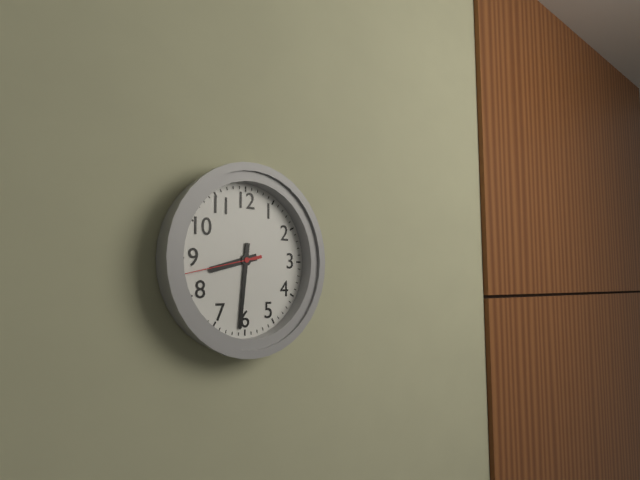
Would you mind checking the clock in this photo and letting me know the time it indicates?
8:31:43
